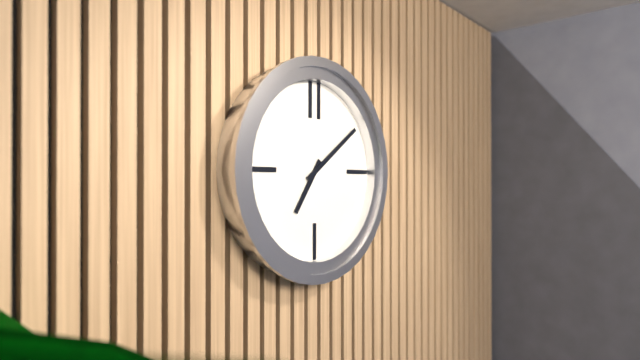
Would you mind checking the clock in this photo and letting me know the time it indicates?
7:09
